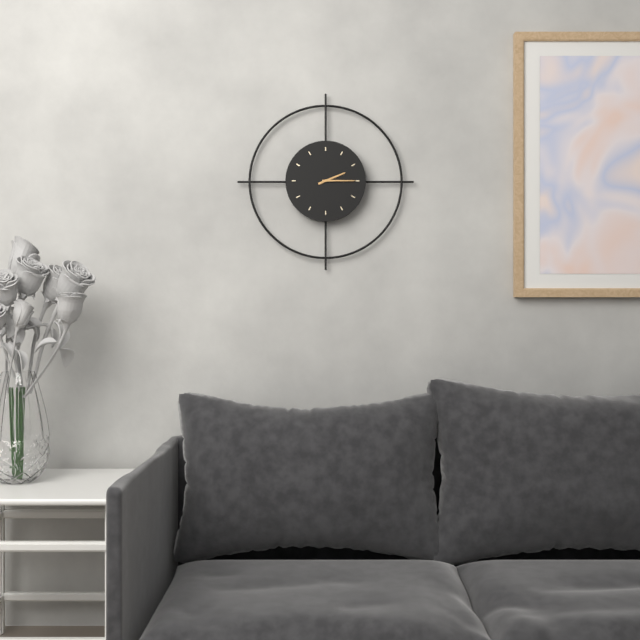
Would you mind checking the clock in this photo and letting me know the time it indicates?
2:15
